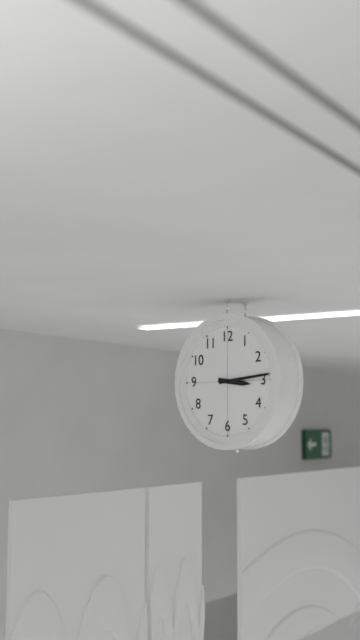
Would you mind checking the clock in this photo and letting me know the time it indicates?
3:14
